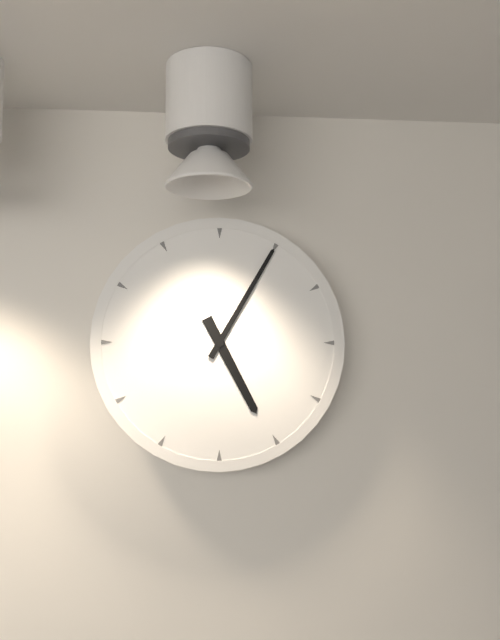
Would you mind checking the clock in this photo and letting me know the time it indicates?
5:05
